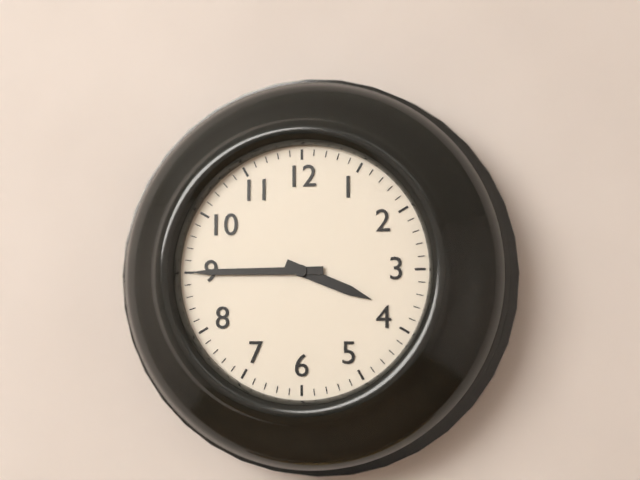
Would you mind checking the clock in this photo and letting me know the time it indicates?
3:45
